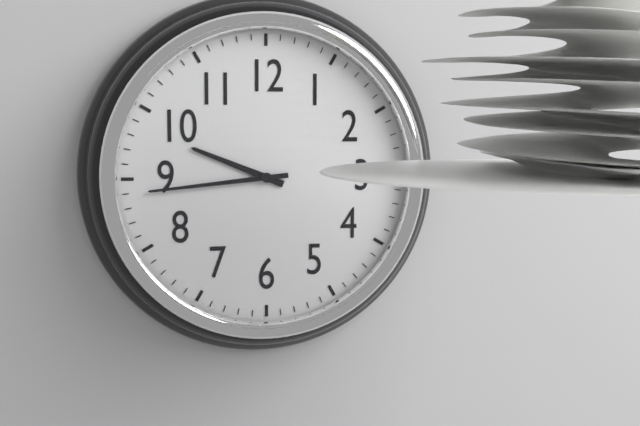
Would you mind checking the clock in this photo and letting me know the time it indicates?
9:44
